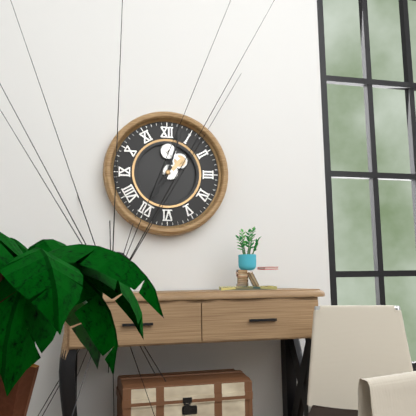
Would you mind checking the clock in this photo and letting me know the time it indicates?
7:03
